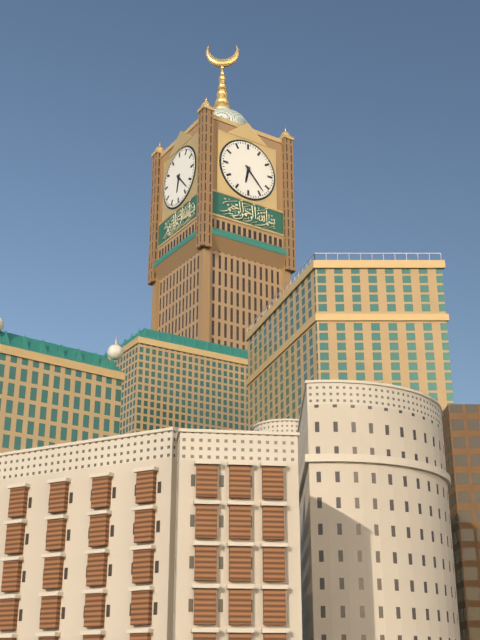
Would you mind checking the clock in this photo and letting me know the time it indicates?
6:23
